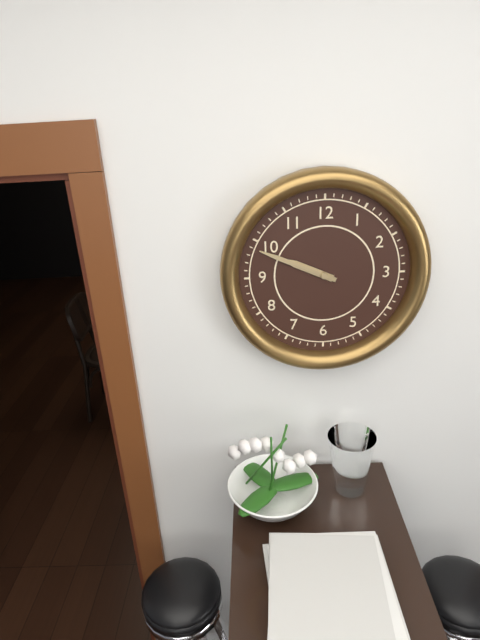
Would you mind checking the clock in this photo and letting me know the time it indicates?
9:49
